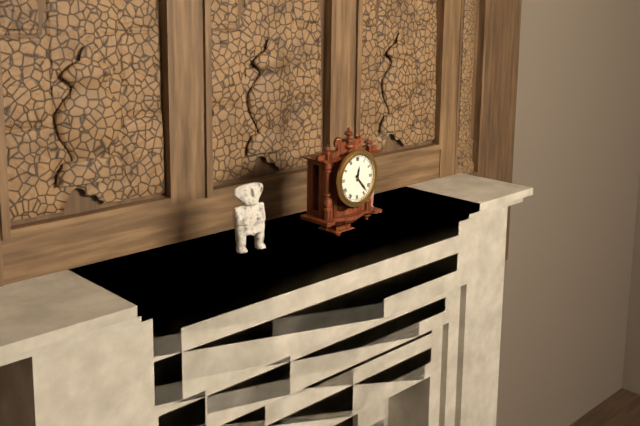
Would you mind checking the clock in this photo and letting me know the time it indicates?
12:23
